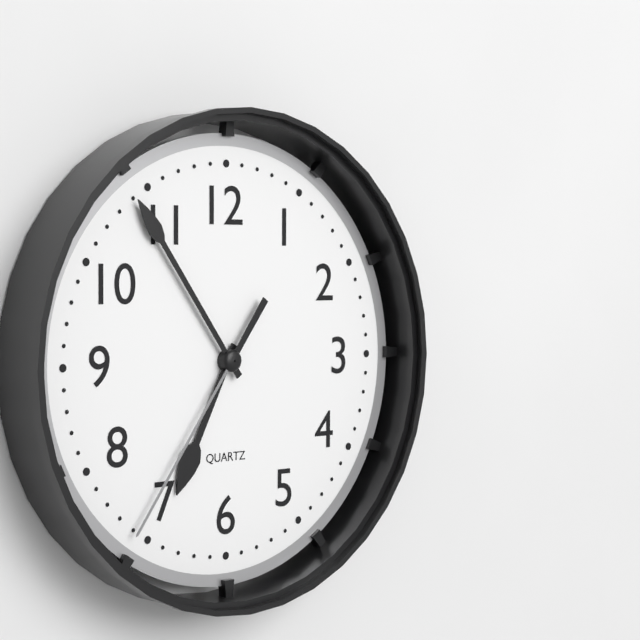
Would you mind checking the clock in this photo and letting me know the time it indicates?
6:54:36
